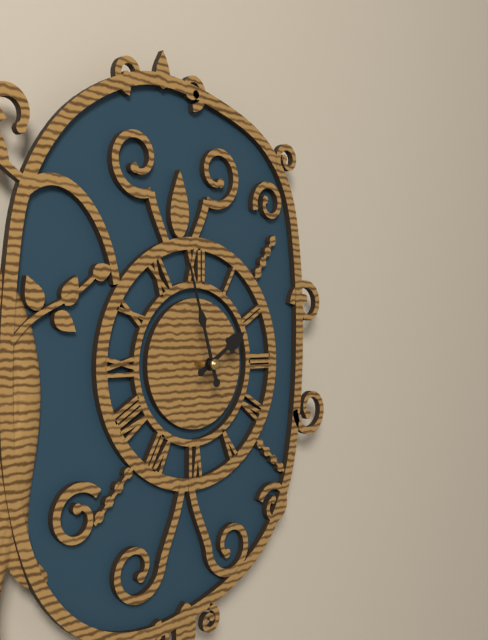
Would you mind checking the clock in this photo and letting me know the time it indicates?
1:57
